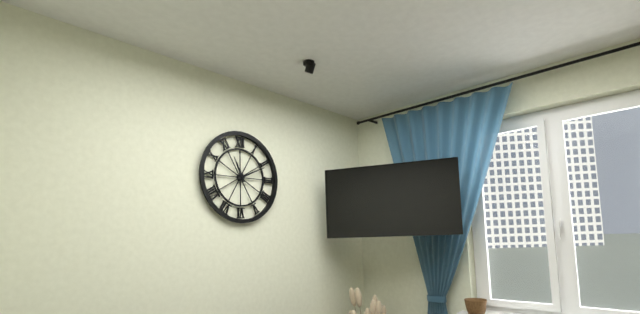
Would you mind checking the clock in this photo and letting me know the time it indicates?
11:11
